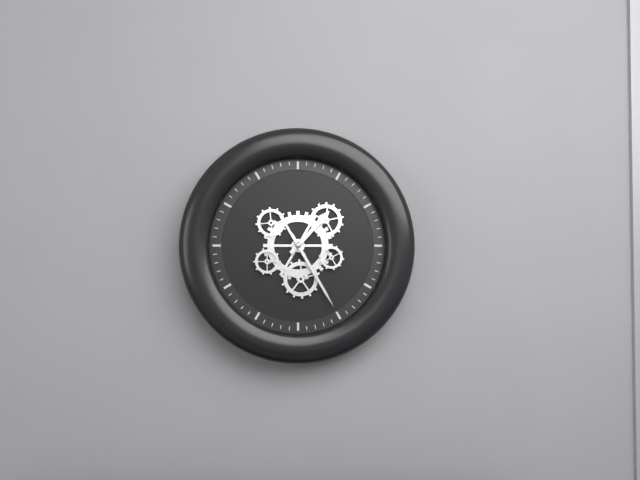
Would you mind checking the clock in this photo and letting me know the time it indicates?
1:25
